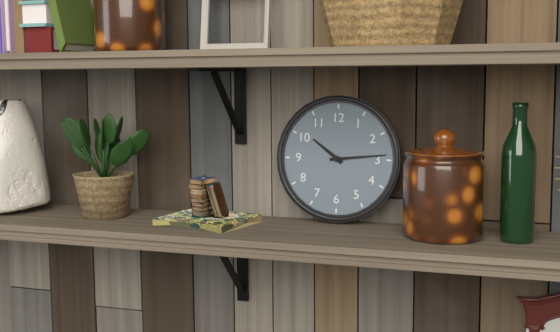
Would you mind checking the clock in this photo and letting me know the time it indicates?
10:14
